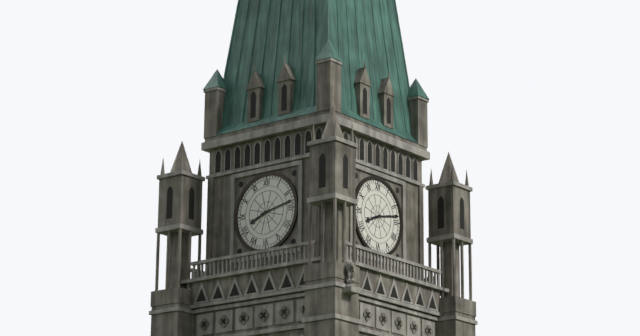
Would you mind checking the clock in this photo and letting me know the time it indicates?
8:13
